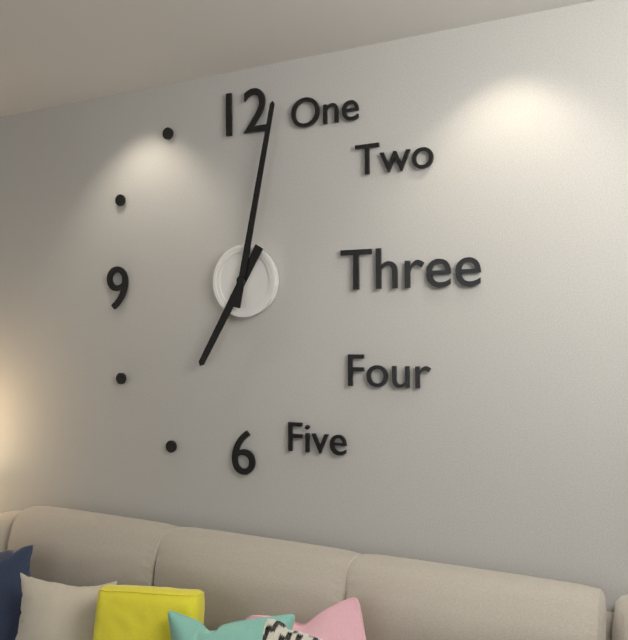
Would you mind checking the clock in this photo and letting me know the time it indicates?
7:02
